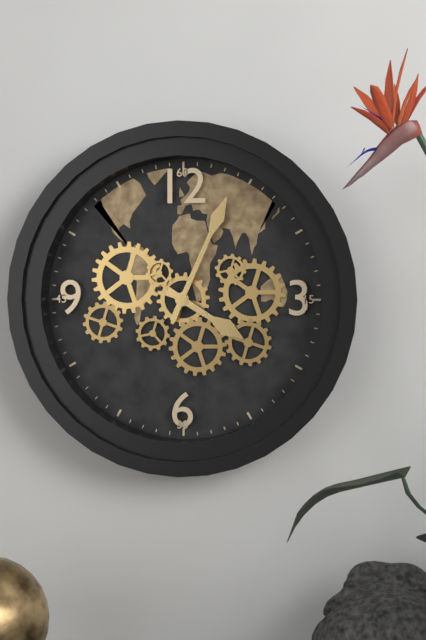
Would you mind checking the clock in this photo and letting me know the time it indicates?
4:04
